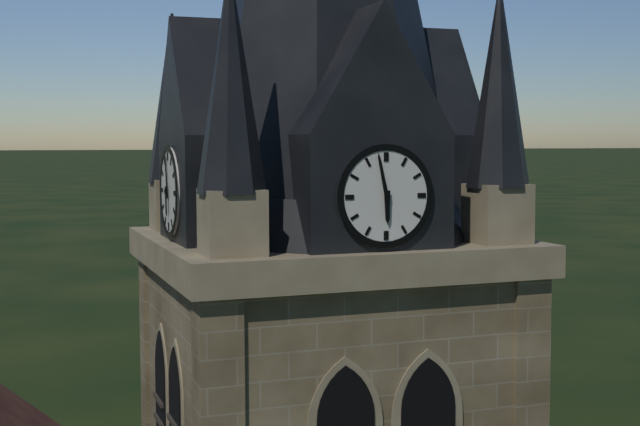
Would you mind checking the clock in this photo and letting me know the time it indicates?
5:58
